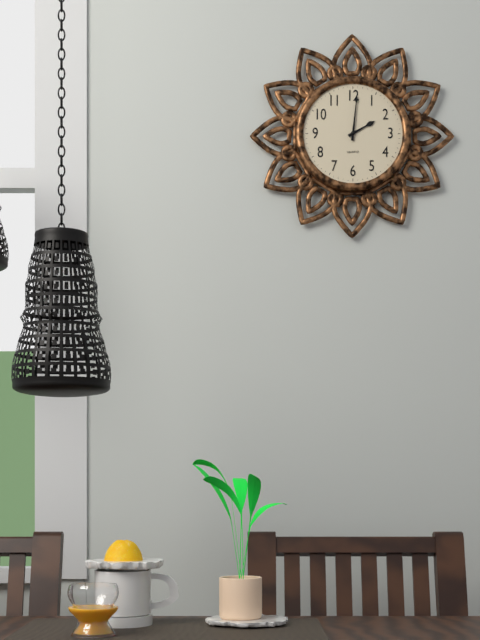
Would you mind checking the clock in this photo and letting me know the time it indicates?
2:01
